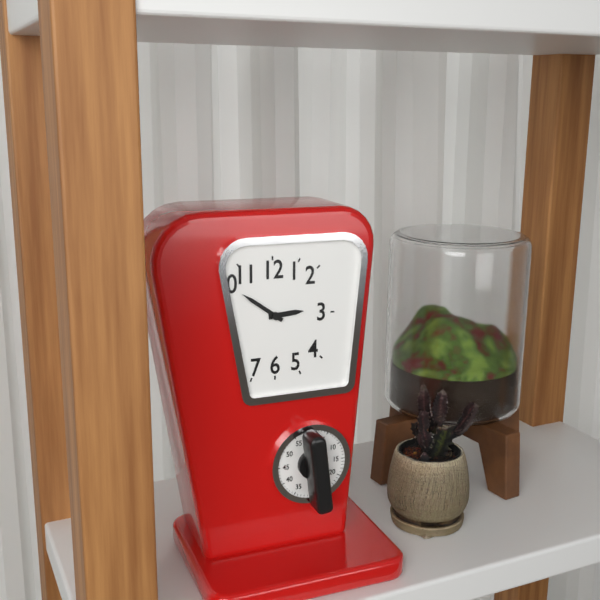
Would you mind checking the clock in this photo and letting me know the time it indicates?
2:51
